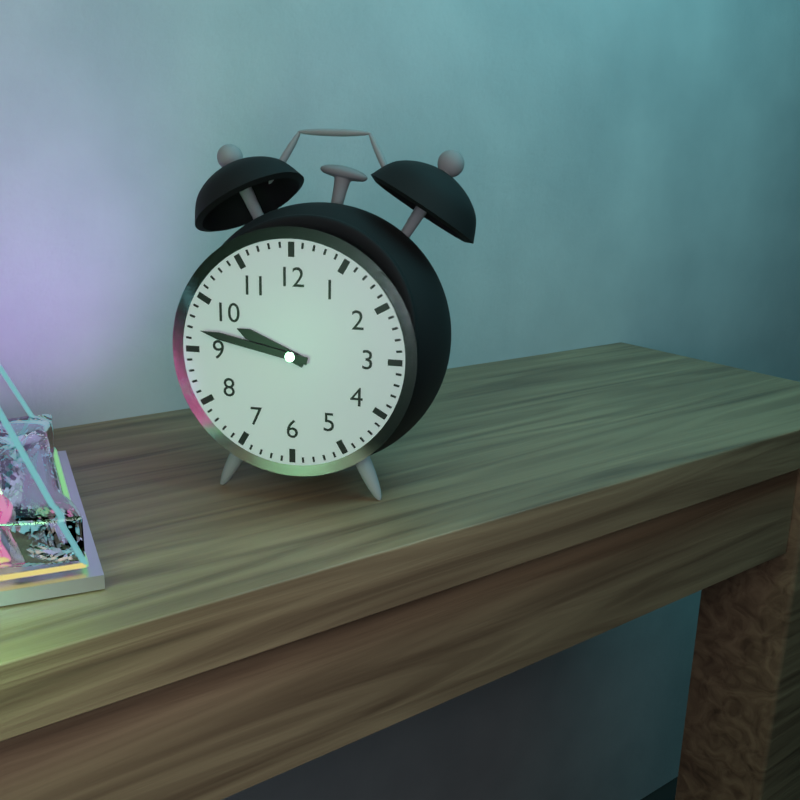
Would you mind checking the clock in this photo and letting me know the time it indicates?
9:47
